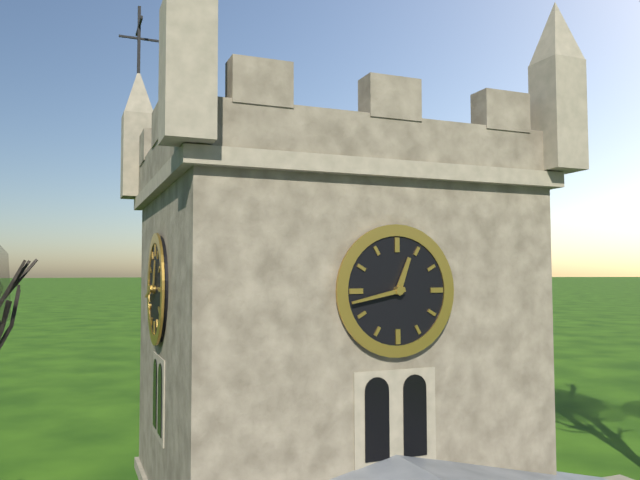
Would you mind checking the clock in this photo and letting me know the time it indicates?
12:43
